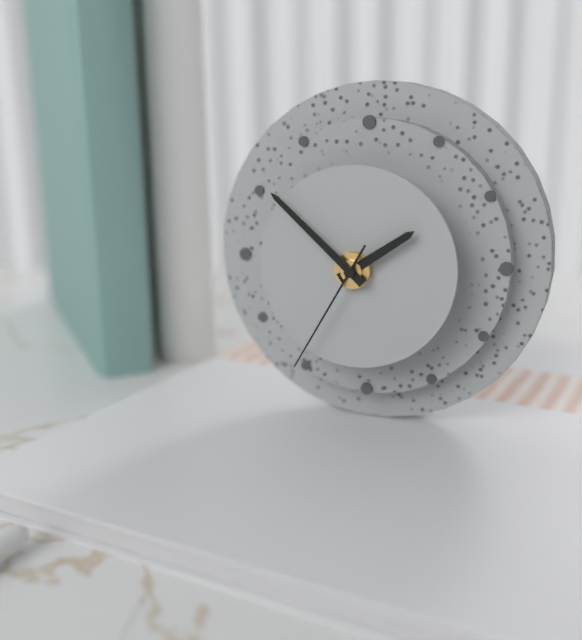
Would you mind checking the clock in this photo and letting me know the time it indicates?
1:52:35
